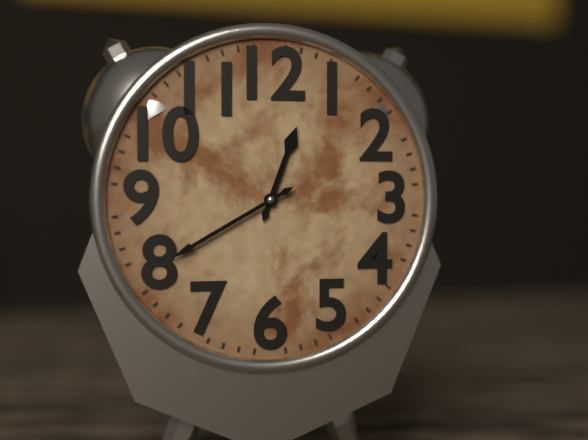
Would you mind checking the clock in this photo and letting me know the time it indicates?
12:40
